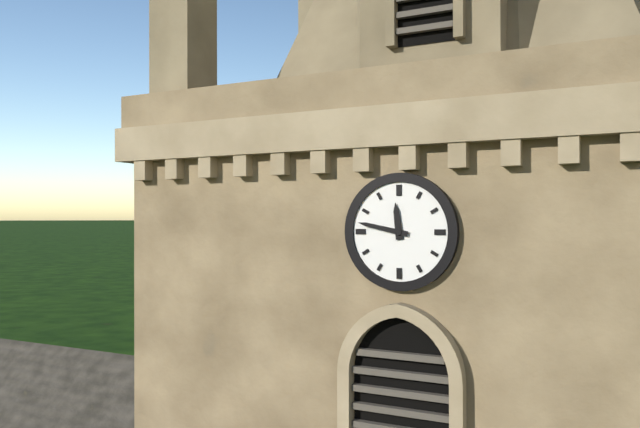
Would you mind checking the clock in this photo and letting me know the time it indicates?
11:47
